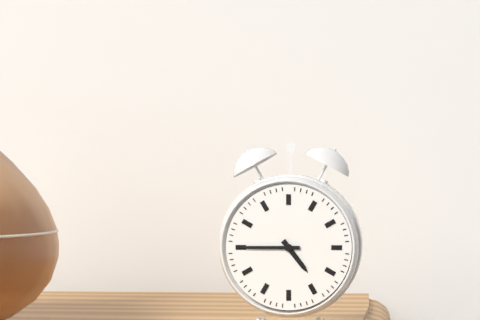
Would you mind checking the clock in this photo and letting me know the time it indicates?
4:45
